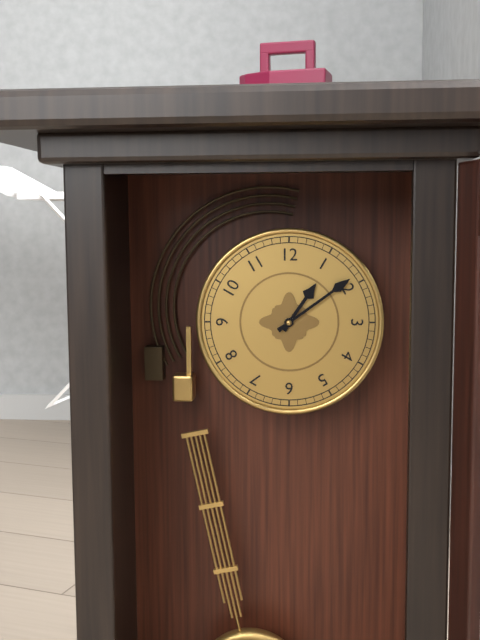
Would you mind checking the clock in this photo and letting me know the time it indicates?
1:09
